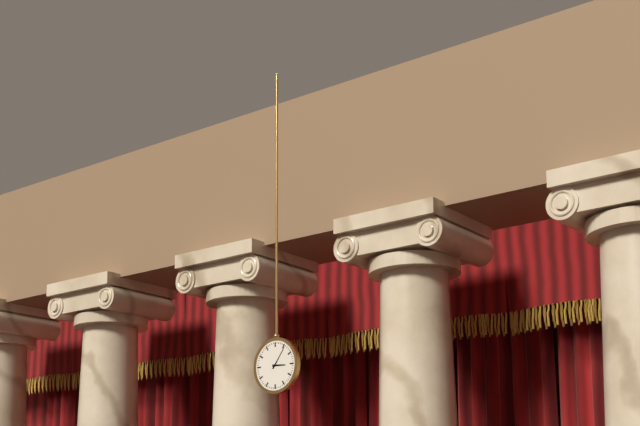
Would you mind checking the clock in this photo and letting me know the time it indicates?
3:06
